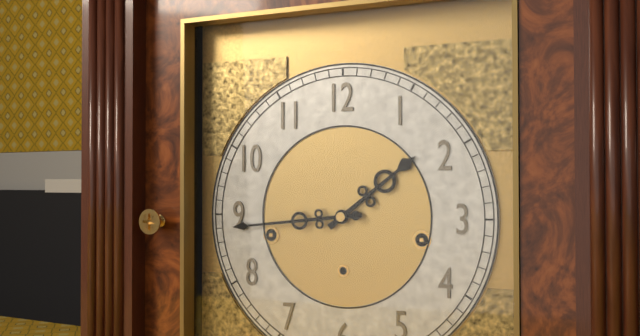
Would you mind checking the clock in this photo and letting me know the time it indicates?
1:44
